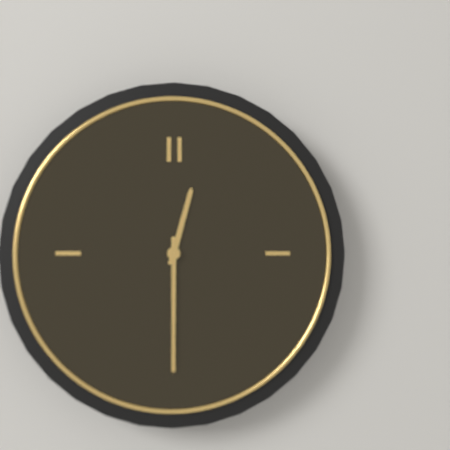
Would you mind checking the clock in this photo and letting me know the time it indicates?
12:30
